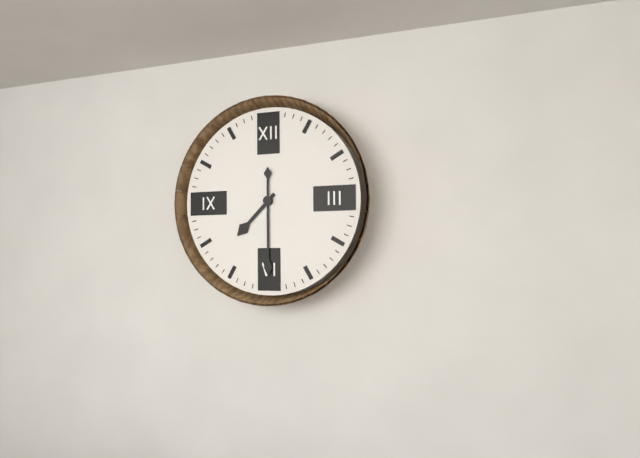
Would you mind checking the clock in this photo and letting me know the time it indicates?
7:30
